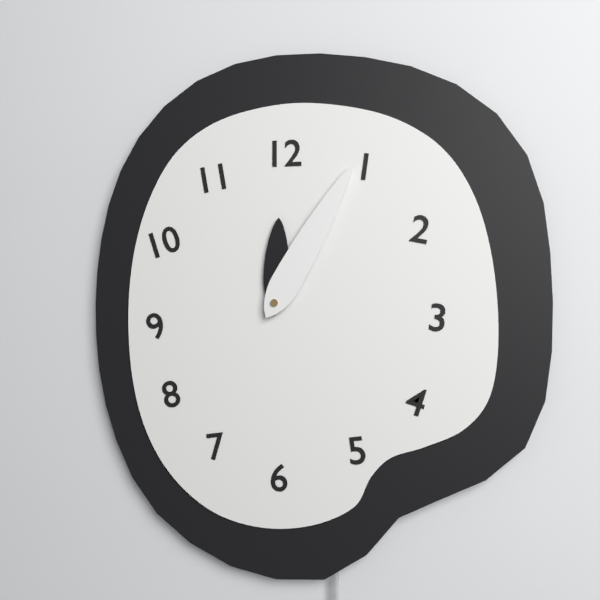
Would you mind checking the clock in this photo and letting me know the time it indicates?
12:05
